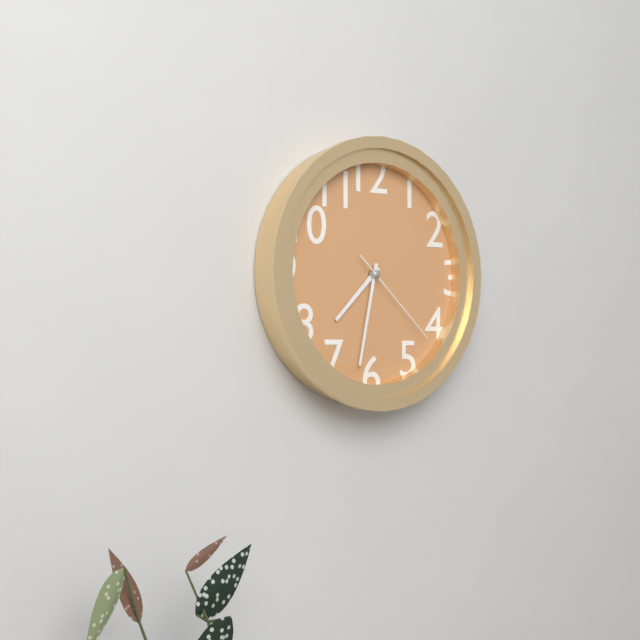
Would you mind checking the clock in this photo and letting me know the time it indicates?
7:32:22
